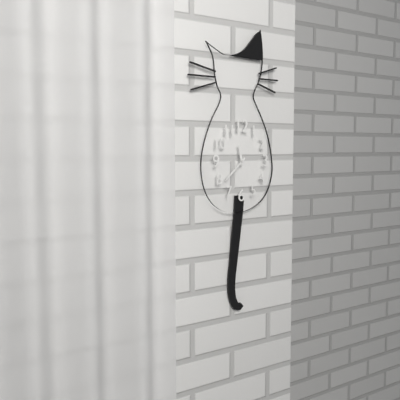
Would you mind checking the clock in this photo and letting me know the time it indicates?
11:38
